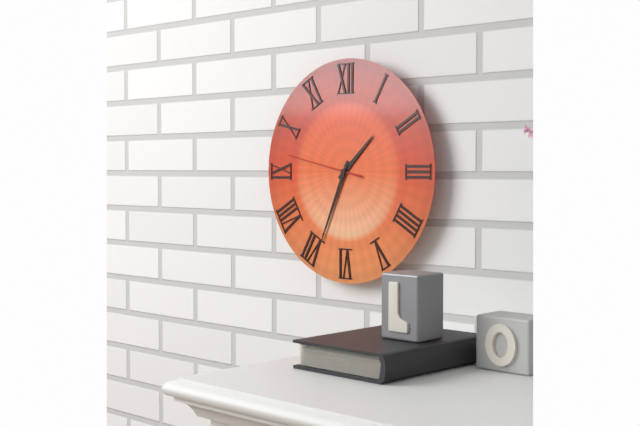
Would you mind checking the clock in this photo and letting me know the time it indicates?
1:34:47
